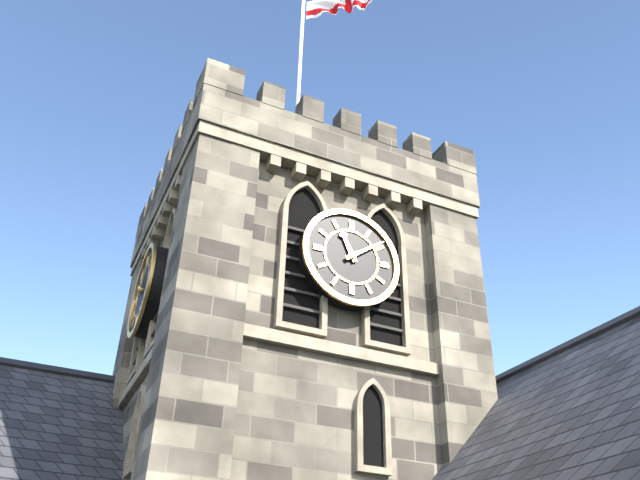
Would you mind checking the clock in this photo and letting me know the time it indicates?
11:09
